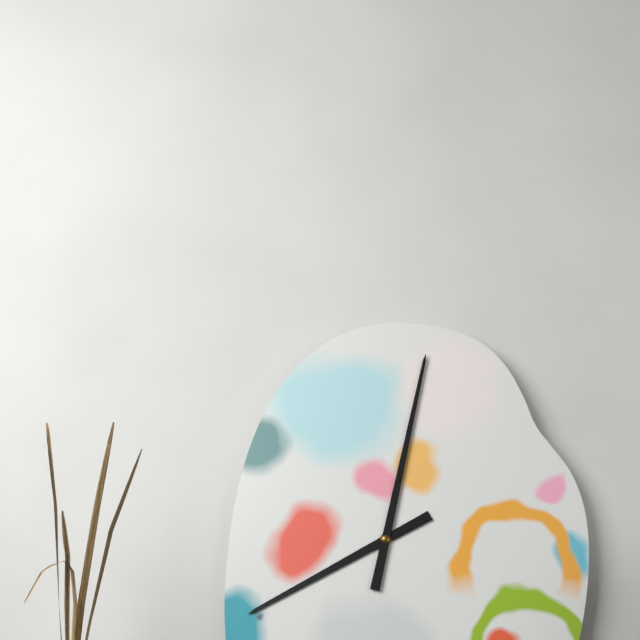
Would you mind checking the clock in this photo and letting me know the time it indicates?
8:02
